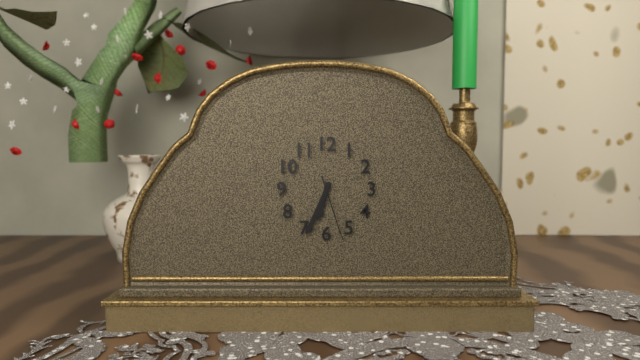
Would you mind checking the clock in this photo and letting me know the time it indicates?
6:34:27
